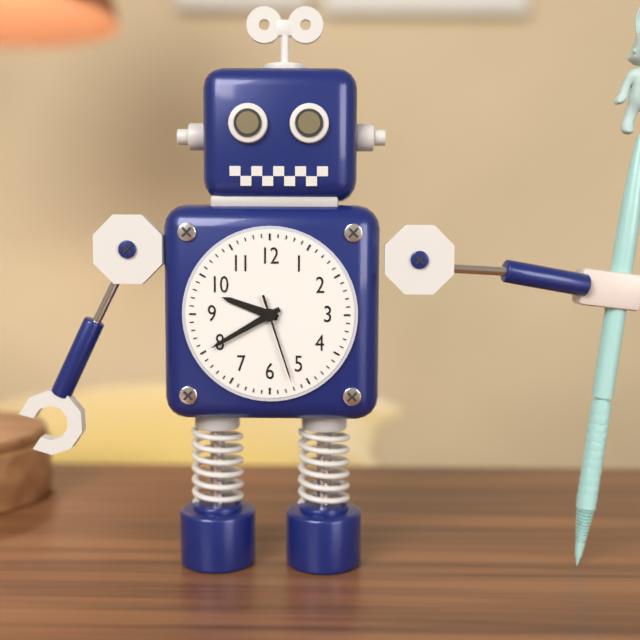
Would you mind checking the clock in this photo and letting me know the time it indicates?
9:40:27
